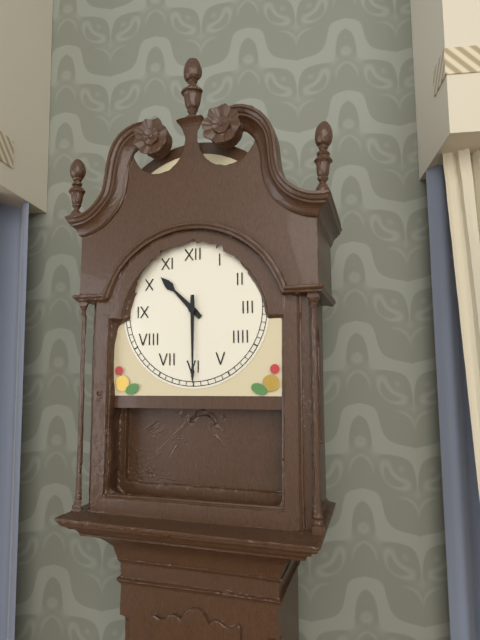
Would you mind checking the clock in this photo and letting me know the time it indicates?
10:30
